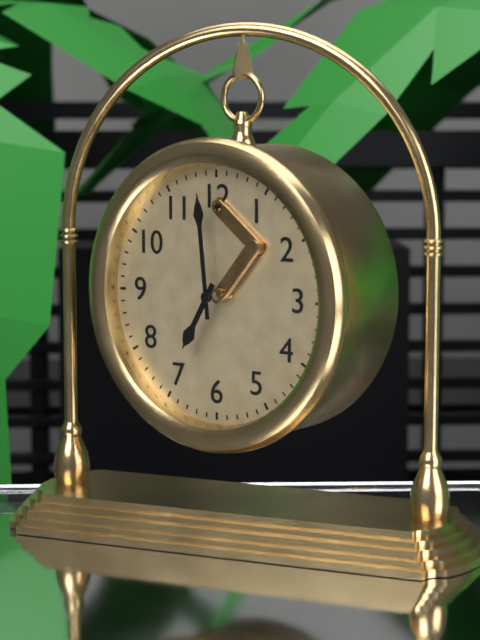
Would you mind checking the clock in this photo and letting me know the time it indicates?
6:59
